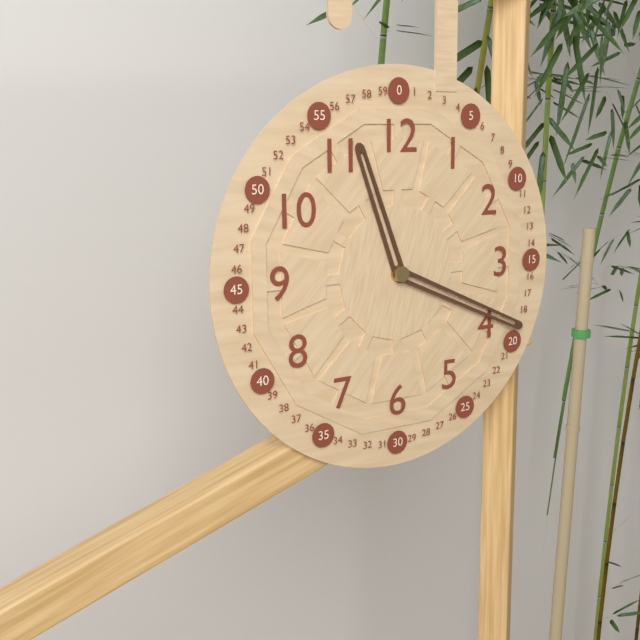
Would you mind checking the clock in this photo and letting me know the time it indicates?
11:19
